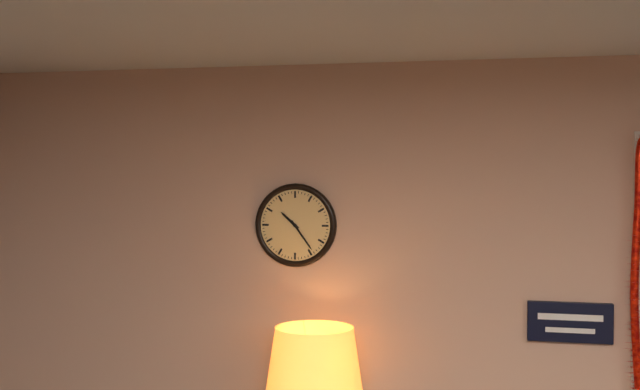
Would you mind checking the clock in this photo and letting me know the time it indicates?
10:24
